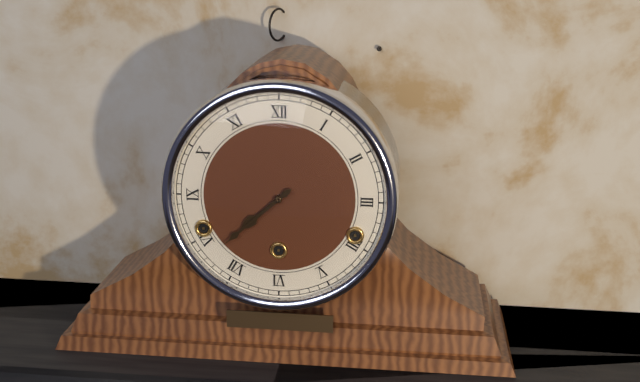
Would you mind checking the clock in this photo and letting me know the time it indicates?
7:38
